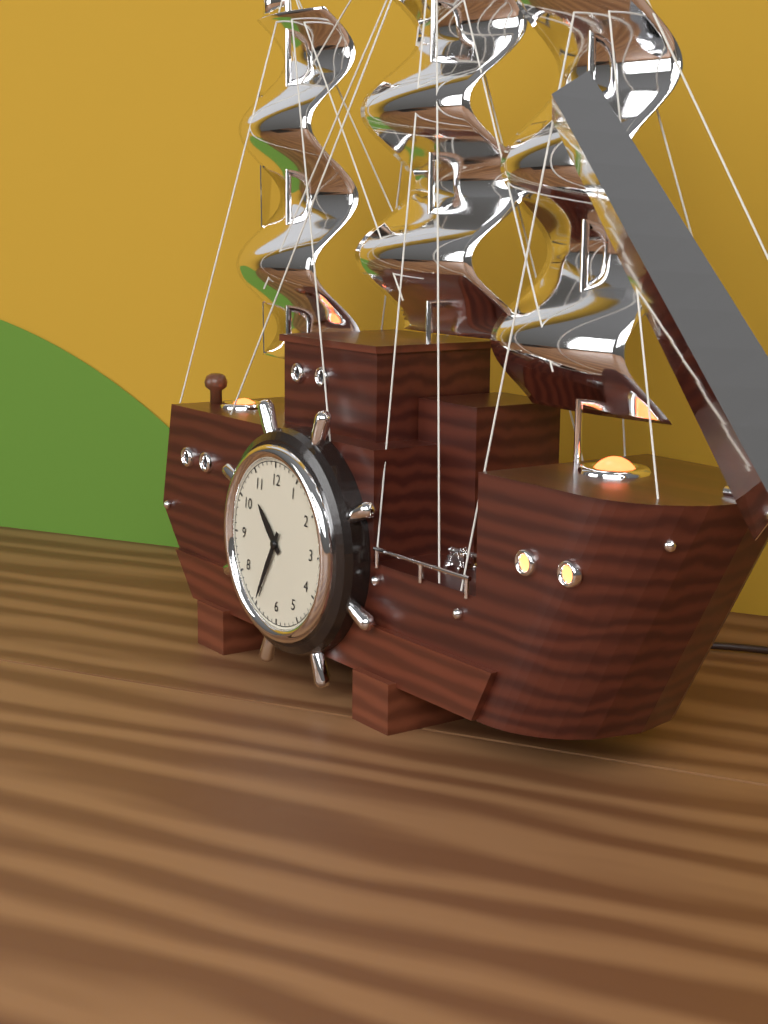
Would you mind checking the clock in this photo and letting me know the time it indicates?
10:35
